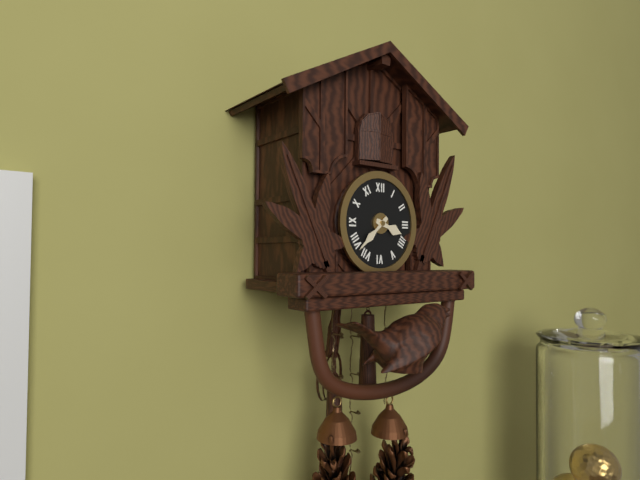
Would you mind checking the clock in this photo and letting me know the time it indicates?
3:38
